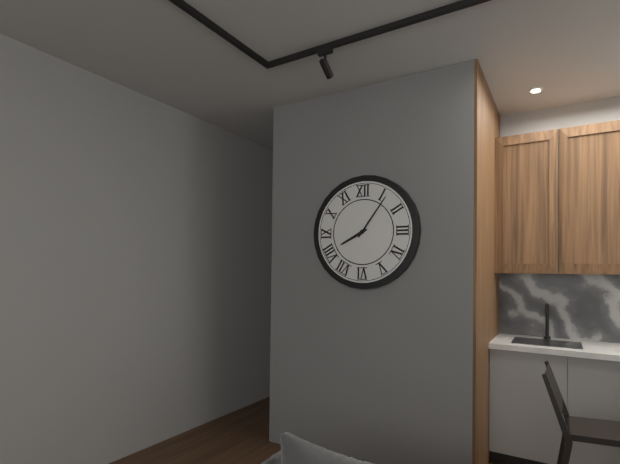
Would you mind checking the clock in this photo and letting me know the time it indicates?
8:06
